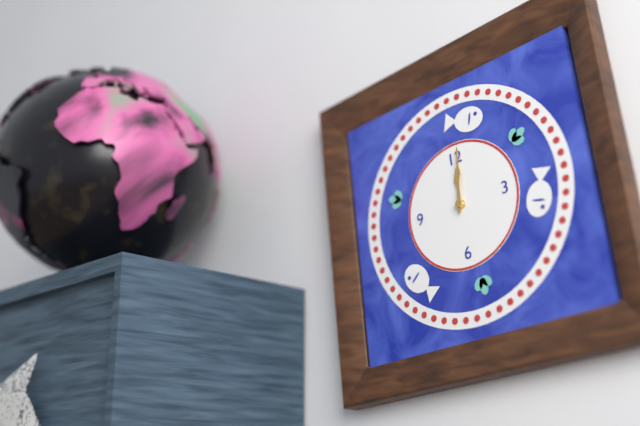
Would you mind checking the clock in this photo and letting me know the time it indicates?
12:01
